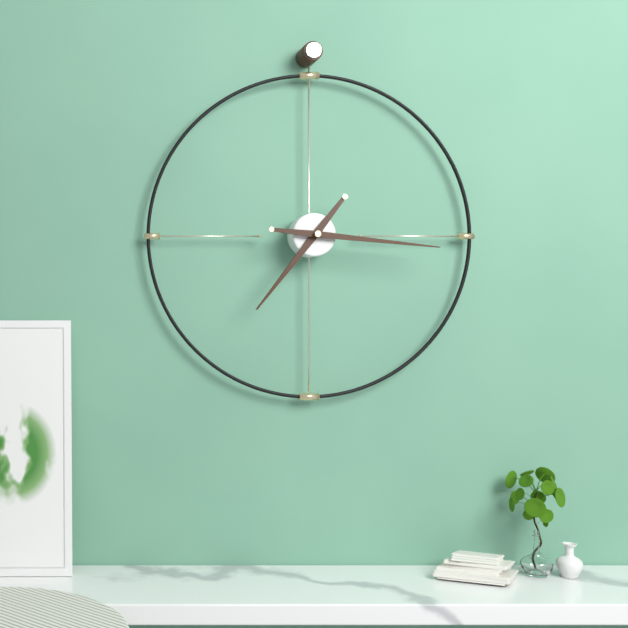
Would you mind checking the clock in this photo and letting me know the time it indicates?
7:16
